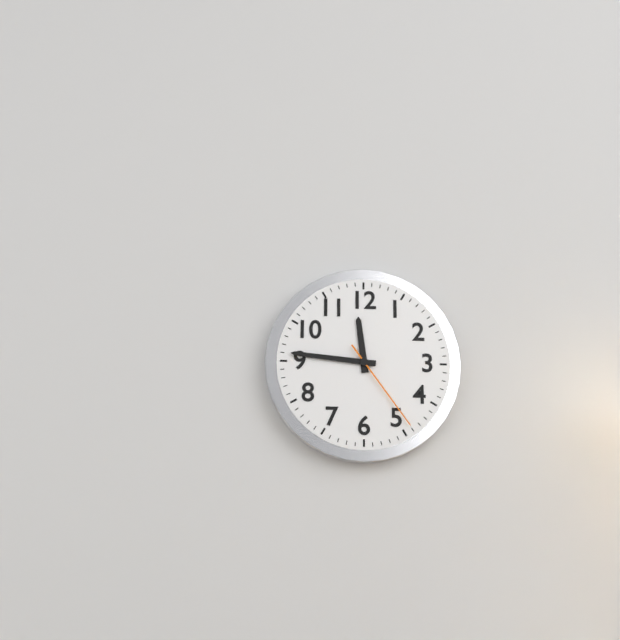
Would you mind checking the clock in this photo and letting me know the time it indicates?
11:46:24
